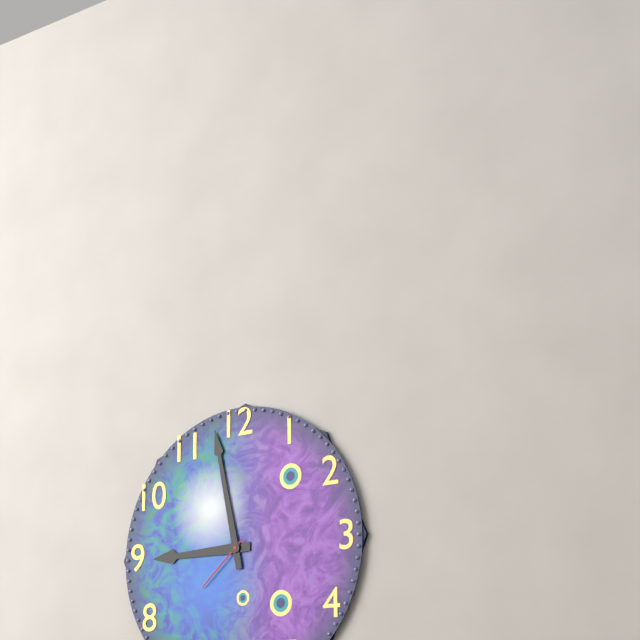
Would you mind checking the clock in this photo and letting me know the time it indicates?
8:58:38
